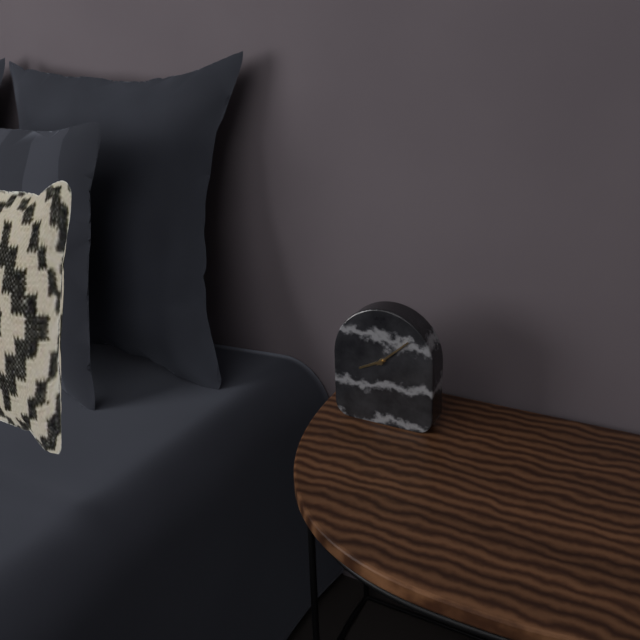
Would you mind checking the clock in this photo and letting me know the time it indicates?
8:08
